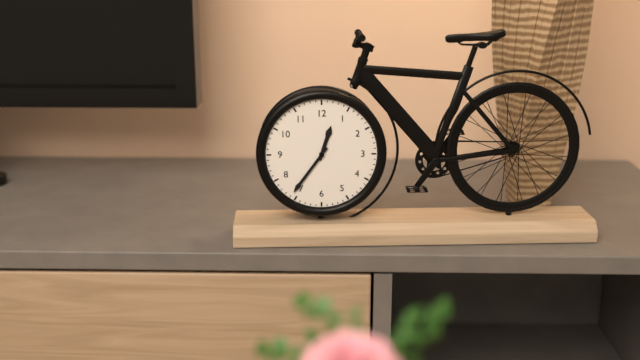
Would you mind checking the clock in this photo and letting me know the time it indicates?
12:36
